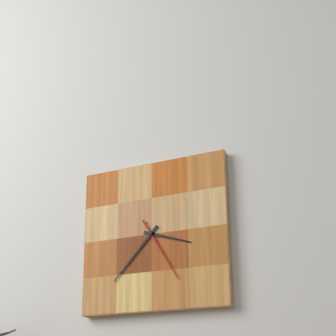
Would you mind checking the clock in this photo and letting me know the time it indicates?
3:37:25
